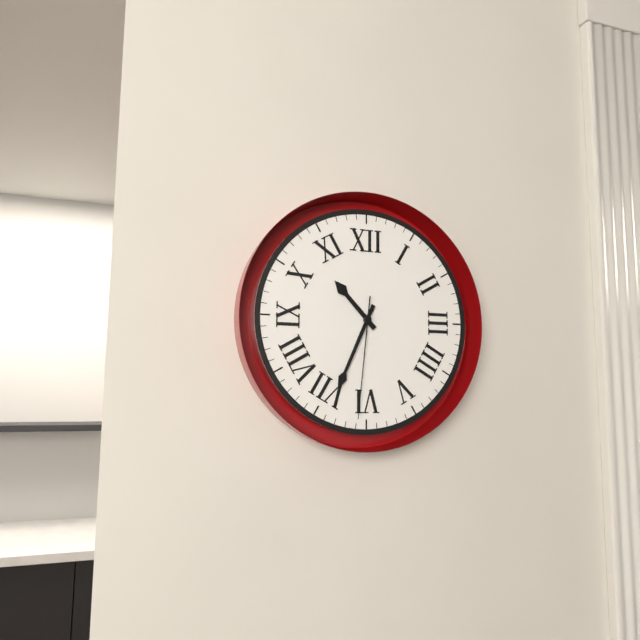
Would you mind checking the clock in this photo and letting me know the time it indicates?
10:34:31
